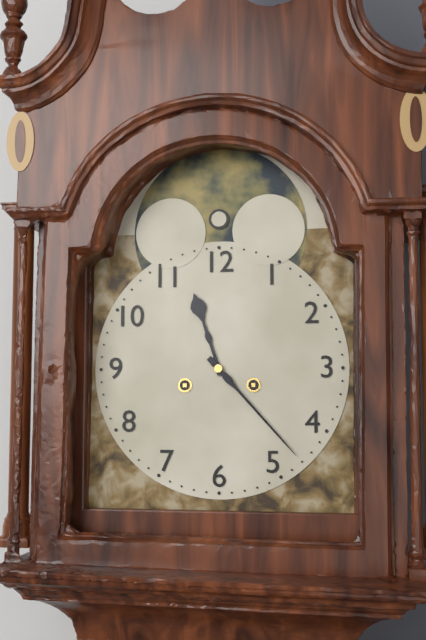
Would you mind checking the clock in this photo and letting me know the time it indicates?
11:23
